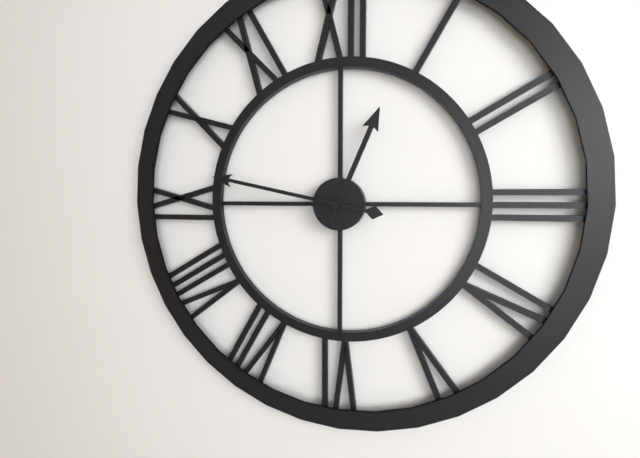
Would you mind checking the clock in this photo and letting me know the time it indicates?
12:47
